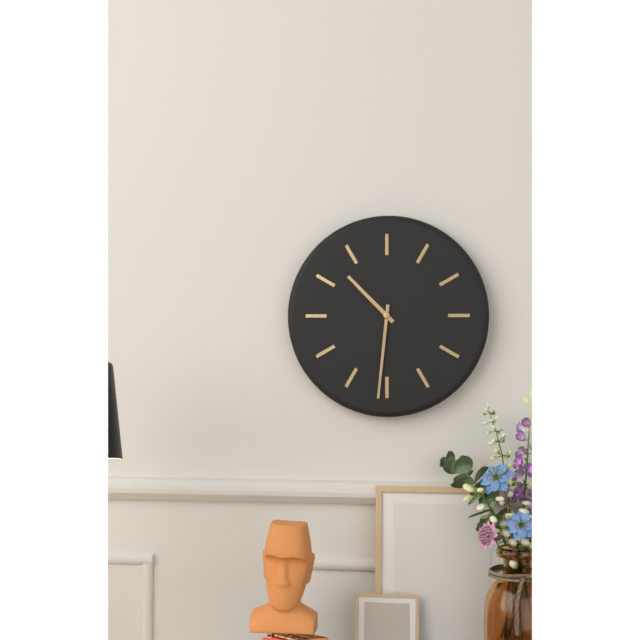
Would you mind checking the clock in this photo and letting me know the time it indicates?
10:31
